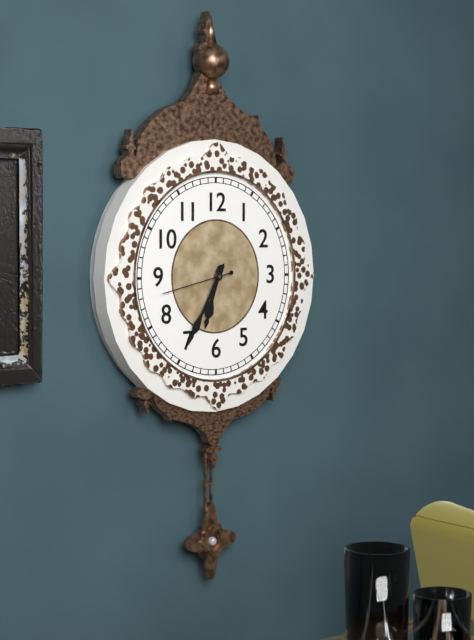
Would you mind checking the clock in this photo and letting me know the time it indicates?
6:35:43
